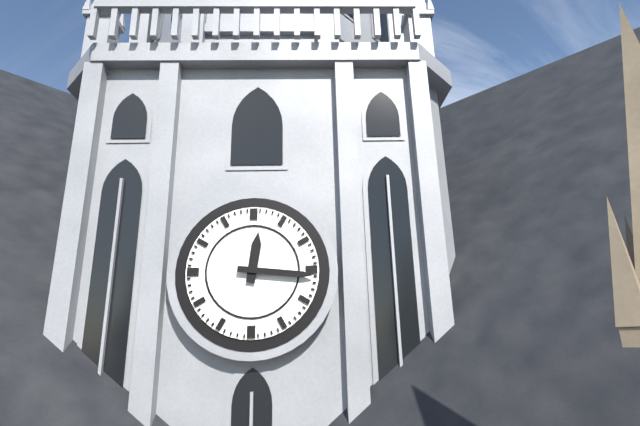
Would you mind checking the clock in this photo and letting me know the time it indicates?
12:16
